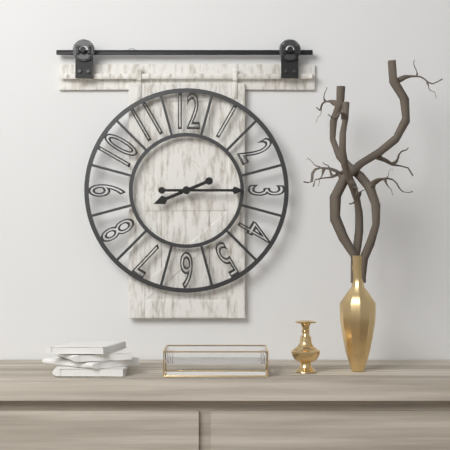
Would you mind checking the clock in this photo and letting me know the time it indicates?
8:15
